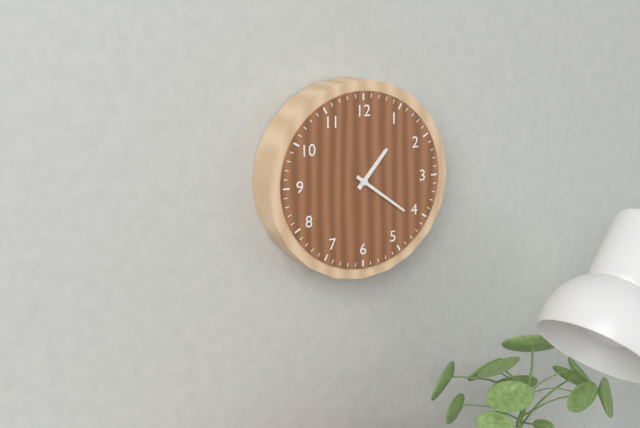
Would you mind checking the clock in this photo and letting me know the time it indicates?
1:21
